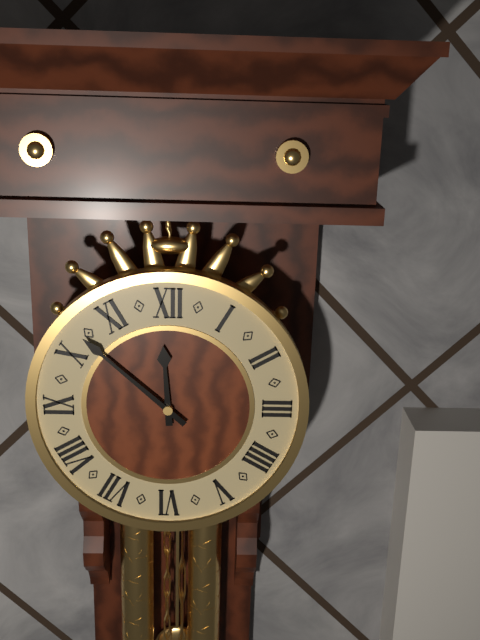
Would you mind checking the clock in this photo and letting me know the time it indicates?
11:52
